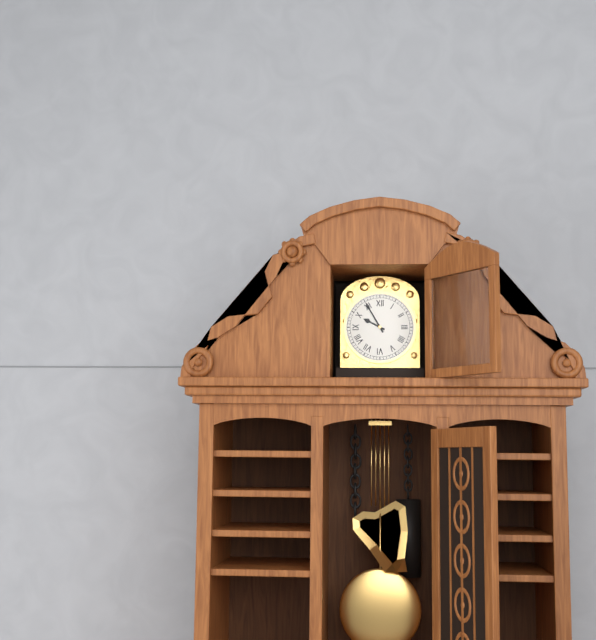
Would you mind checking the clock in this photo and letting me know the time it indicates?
9:55
